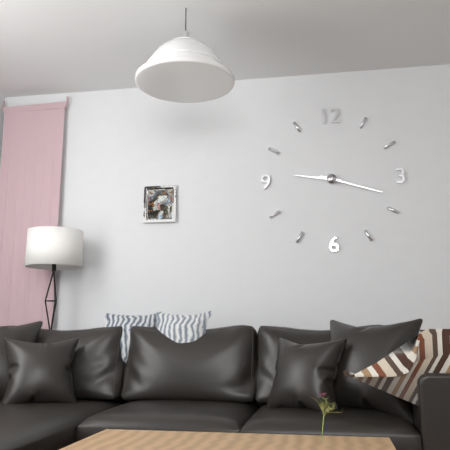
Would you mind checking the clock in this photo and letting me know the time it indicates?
9:18
